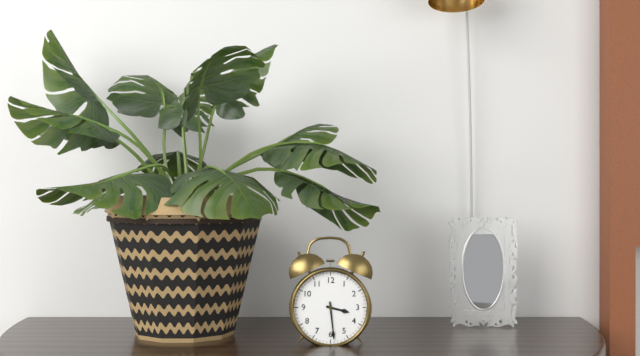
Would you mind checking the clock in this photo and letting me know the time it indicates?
3:29
